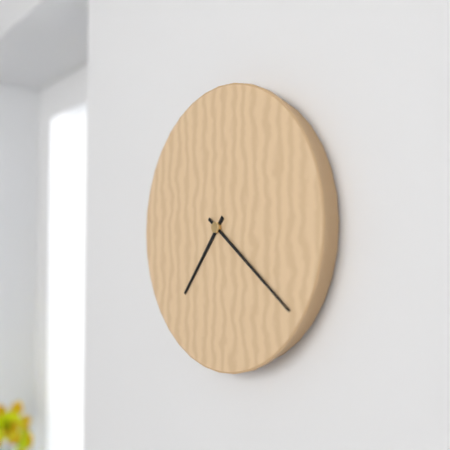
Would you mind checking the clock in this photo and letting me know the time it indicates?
7:21
